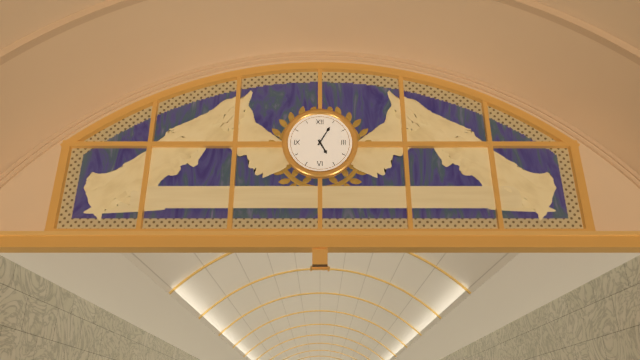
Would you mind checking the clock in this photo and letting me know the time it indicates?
5:05
